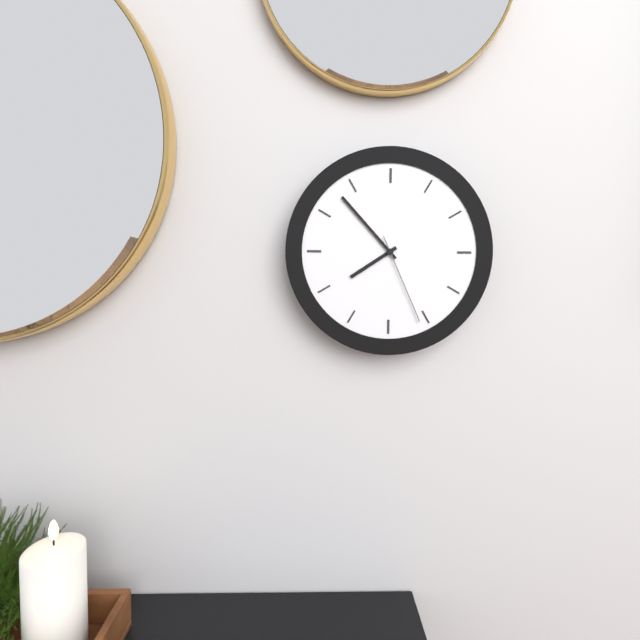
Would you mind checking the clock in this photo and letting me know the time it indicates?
7:53:26
